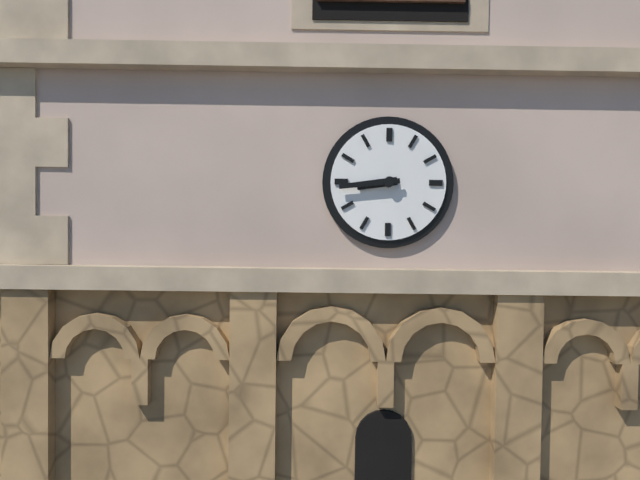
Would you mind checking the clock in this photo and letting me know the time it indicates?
8:44
